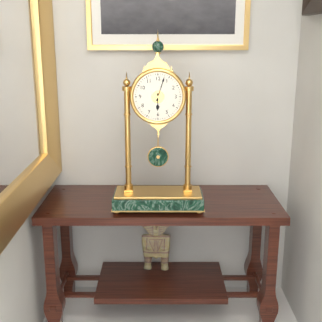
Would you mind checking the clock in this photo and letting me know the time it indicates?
6:03
